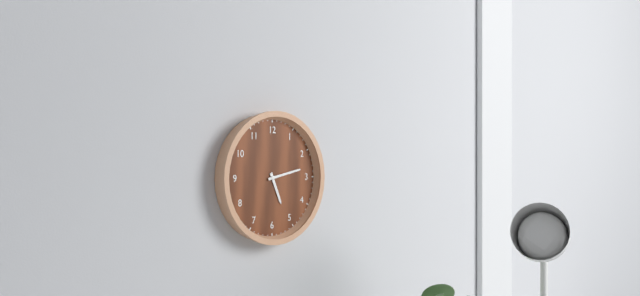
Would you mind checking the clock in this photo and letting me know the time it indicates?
5:13
